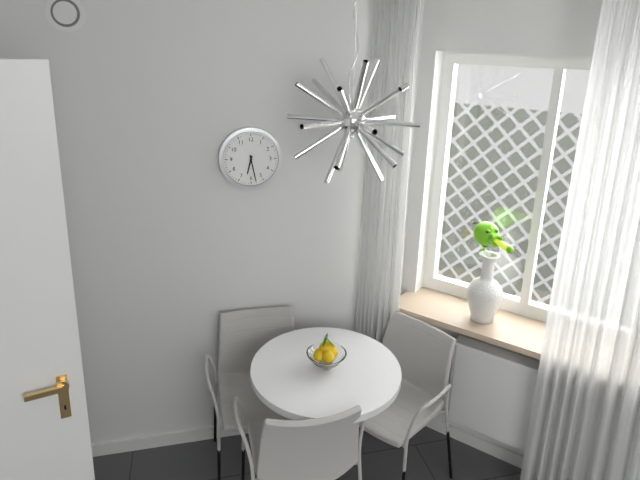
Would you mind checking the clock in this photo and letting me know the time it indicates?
6:28
